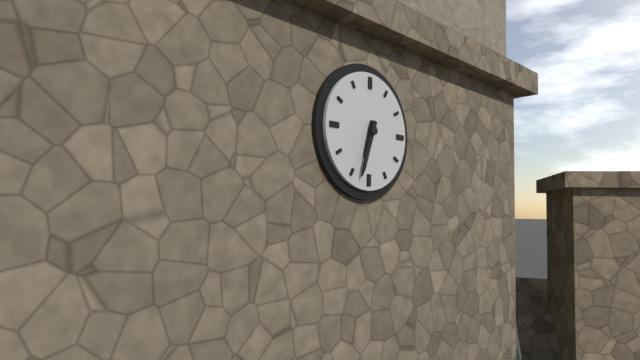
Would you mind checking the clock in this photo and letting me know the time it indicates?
6:33
